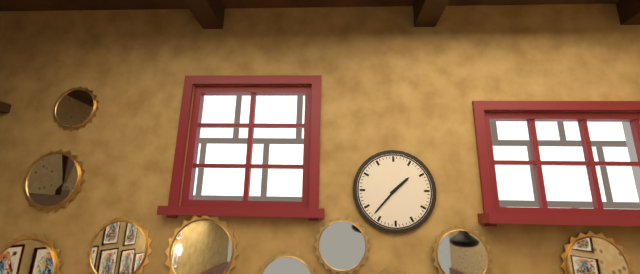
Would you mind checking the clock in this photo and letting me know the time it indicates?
1:37
